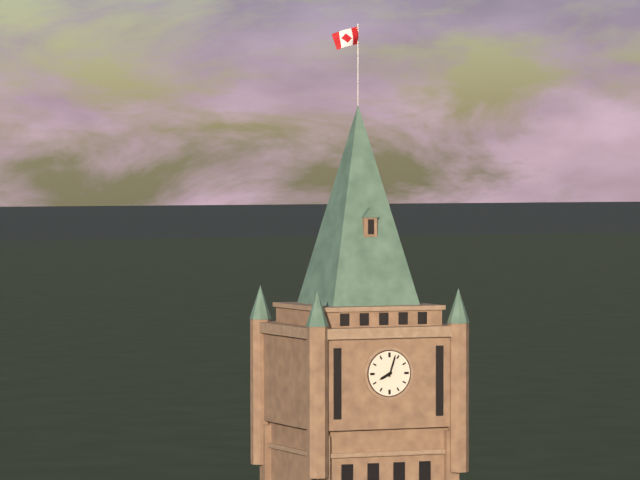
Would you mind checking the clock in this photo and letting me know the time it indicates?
8:03
